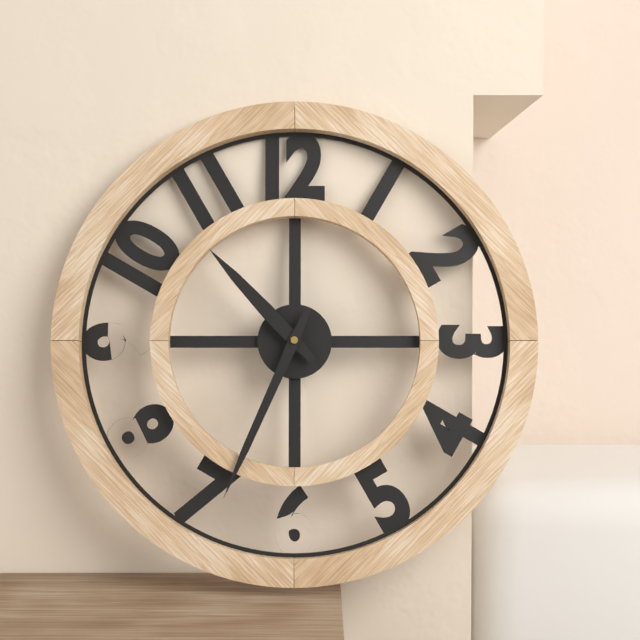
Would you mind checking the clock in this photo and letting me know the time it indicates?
10:34
